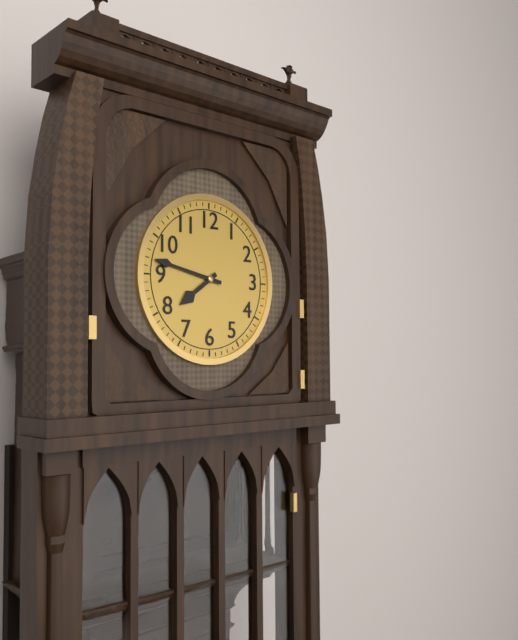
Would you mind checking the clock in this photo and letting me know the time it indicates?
7:47
